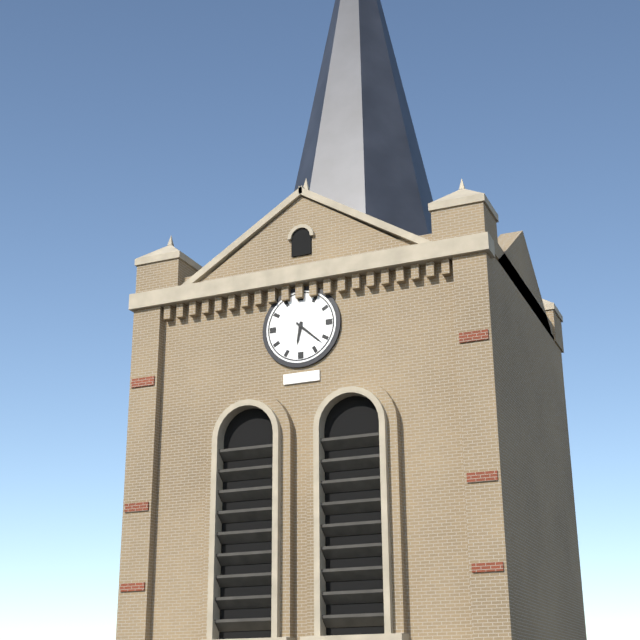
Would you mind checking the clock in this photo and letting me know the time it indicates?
6:22
